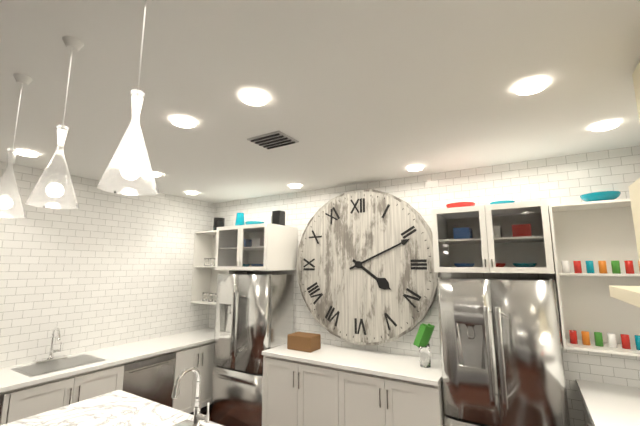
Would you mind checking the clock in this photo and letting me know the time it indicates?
4:11
